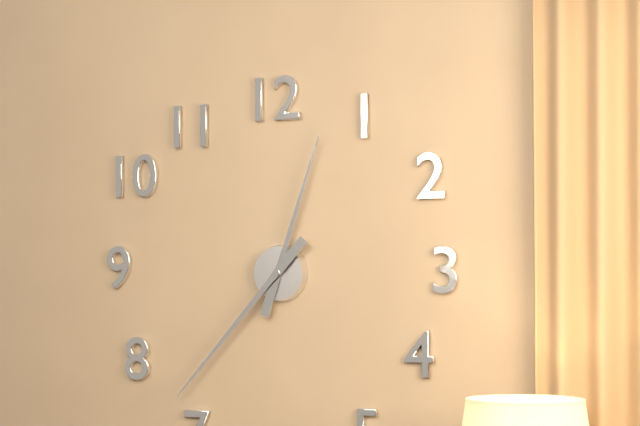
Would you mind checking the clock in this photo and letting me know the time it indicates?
12:37
